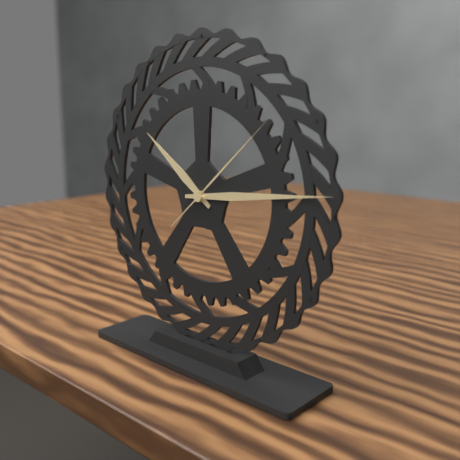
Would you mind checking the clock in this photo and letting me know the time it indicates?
10:14:08
